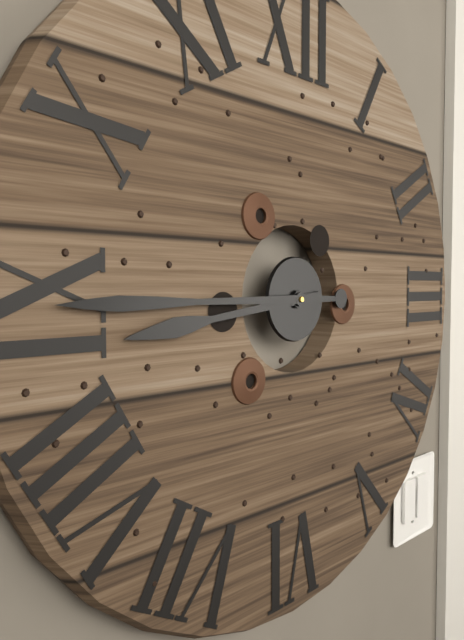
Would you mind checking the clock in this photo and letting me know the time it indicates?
8:45
